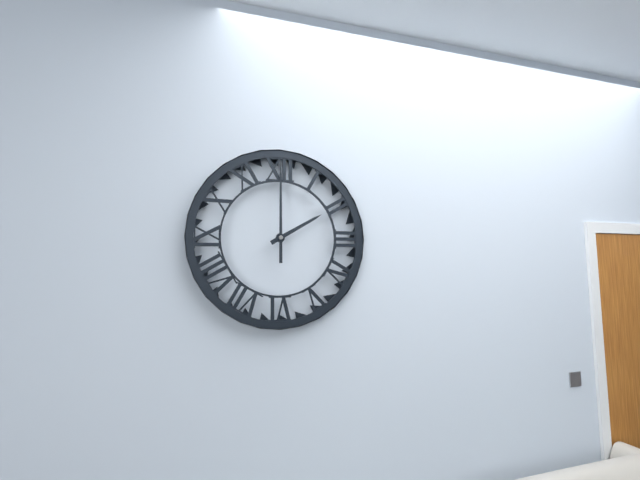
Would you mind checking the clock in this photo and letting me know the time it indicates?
2:00
